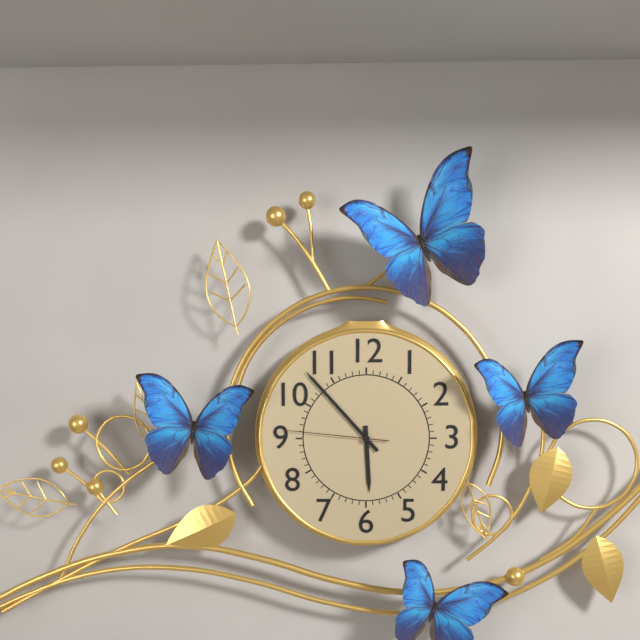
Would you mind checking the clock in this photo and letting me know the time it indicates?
5:53:46
